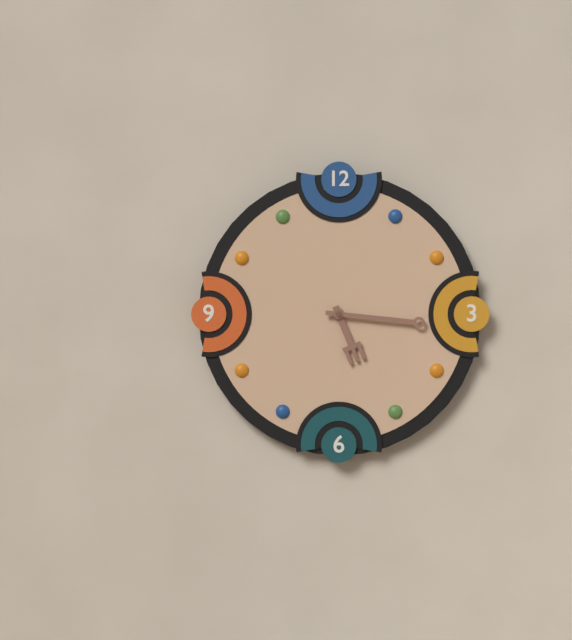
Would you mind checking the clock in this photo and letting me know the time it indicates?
5:16
